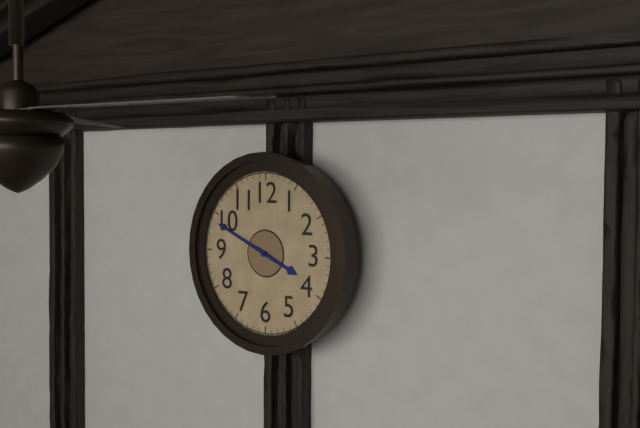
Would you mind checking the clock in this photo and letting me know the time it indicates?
3:49
